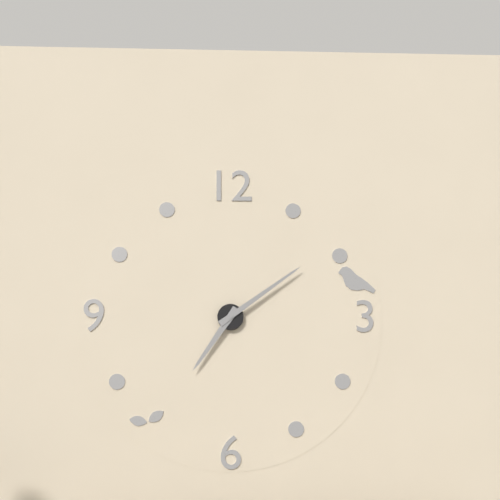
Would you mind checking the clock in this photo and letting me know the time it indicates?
7:09
